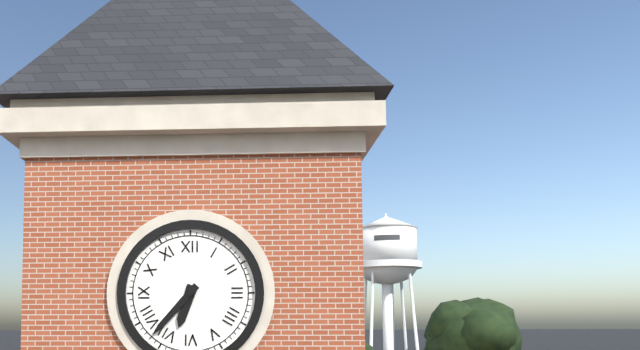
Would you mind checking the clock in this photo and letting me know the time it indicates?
6:37
